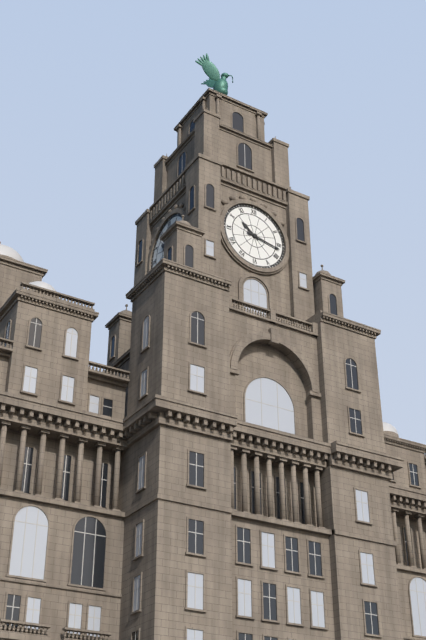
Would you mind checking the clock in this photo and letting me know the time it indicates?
10:17
